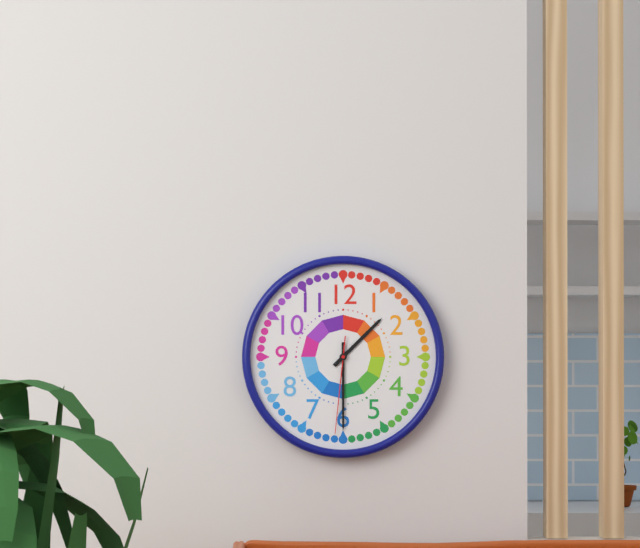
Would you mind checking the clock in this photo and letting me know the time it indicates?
1:30:31
